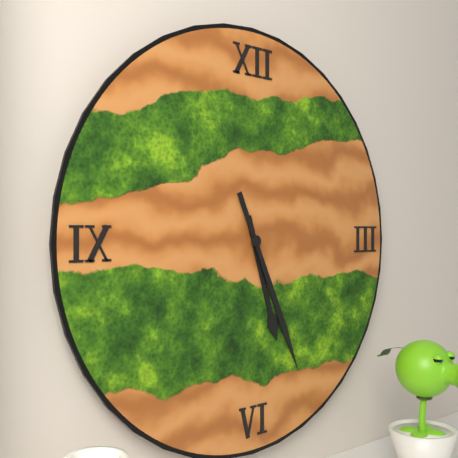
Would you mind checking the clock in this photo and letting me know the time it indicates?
5:26
